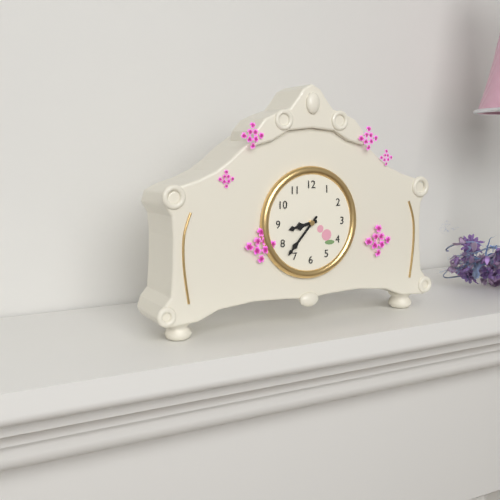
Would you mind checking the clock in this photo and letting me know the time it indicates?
8:37
